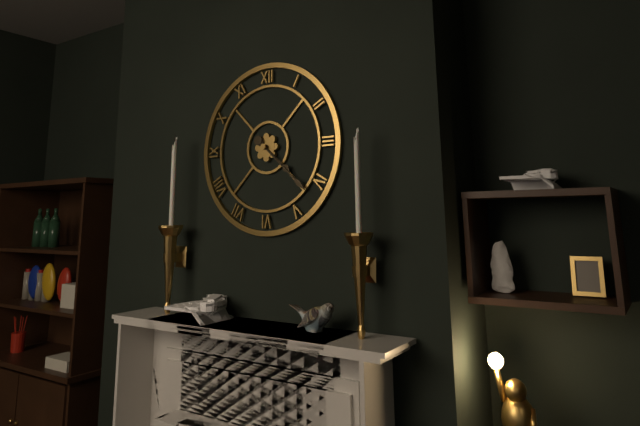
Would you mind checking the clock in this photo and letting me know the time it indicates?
4:22
